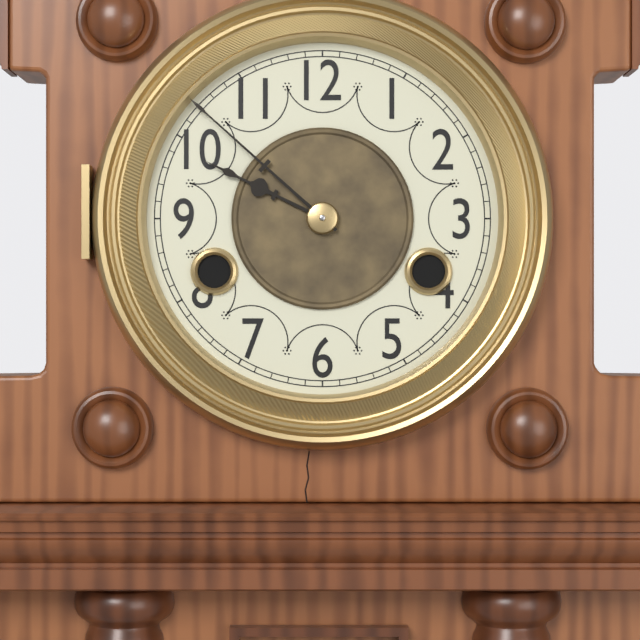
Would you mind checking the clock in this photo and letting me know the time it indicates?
9:52
